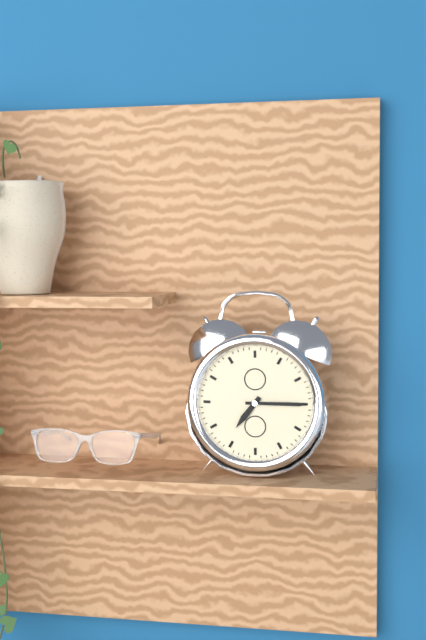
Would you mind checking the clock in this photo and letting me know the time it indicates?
7:15
